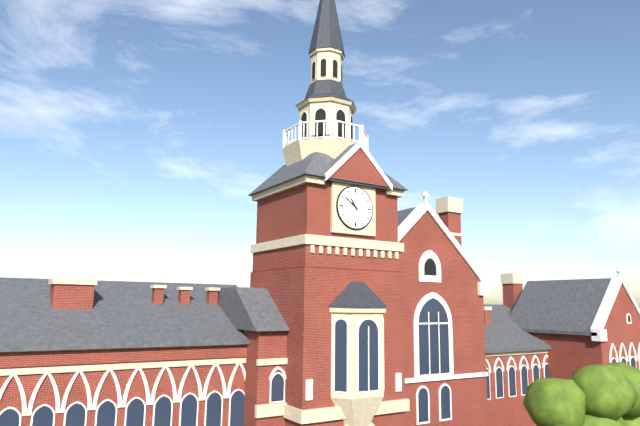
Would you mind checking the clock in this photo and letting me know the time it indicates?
10:51
